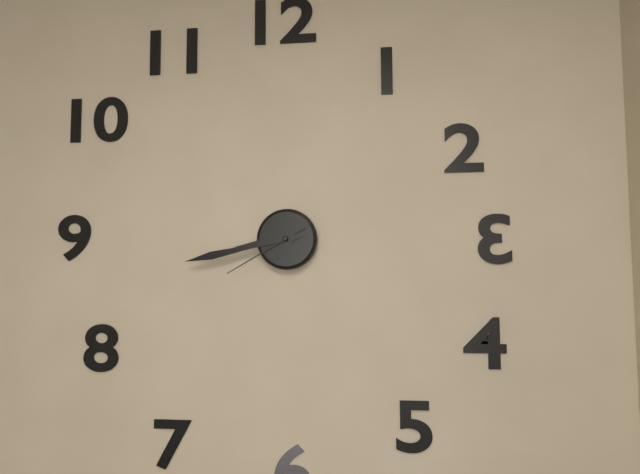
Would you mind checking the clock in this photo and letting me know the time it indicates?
8:43:40
